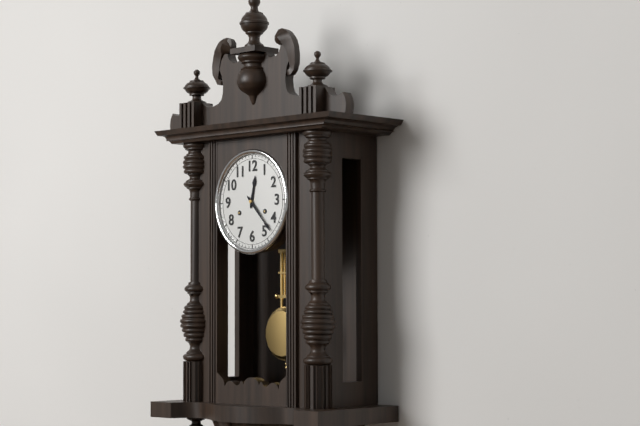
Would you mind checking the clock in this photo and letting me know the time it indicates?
12:23
